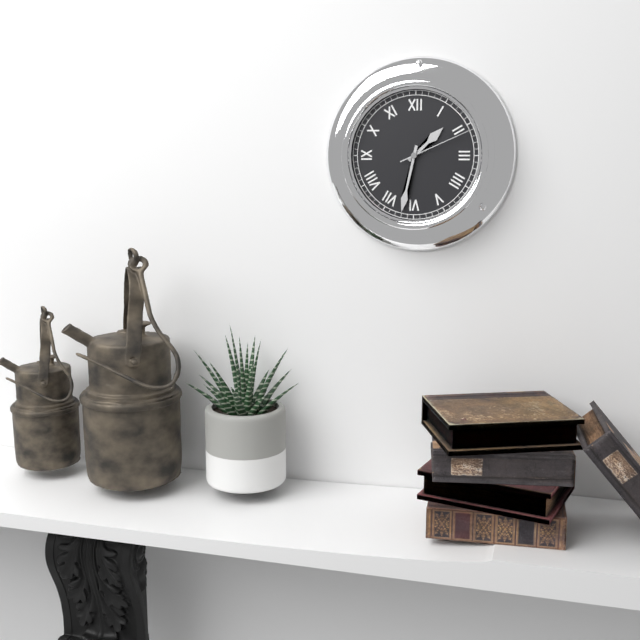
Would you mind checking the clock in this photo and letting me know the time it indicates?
1:32:11
